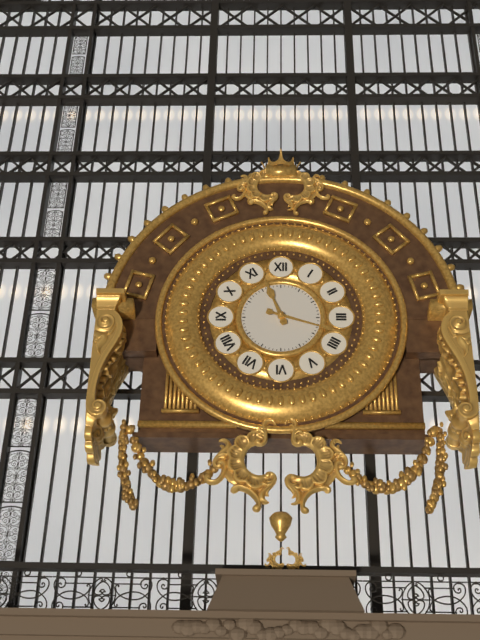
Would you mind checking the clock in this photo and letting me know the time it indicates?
11:18
